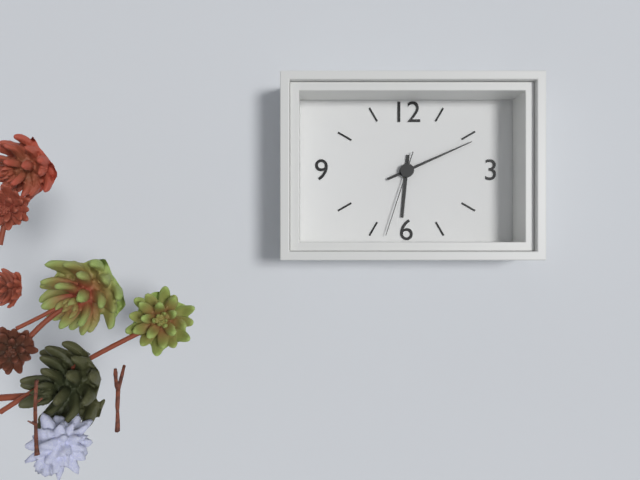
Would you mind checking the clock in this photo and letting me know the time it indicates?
6:11:33
